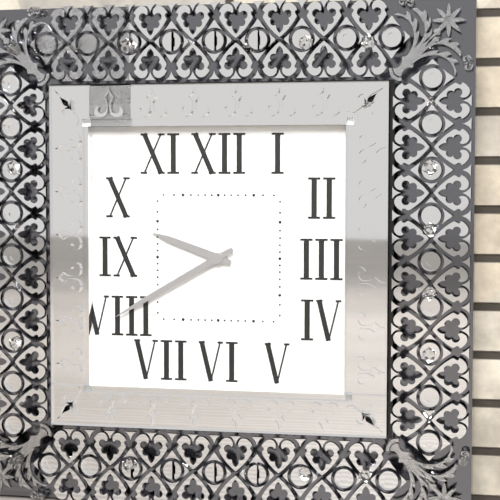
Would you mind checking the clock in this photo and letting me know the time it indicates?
9:40
